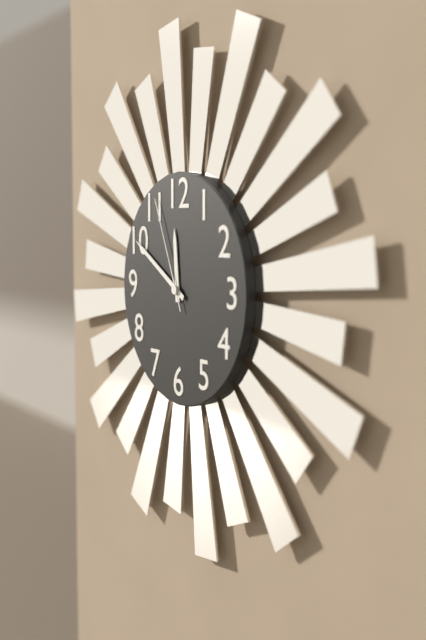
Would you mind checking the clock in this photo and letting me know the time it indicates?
11:50:56
